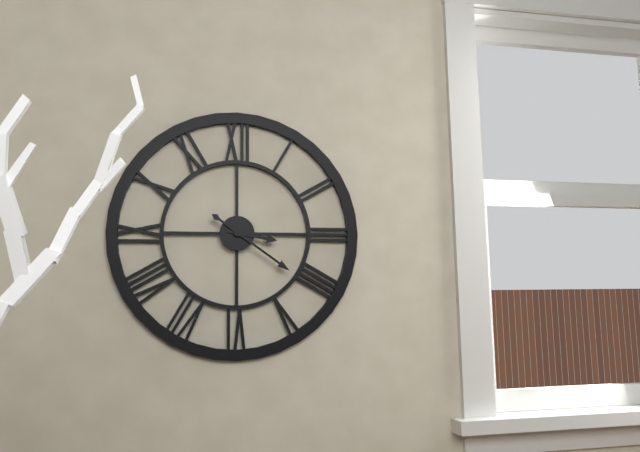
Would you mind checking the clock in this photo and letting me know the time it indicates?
3:21
